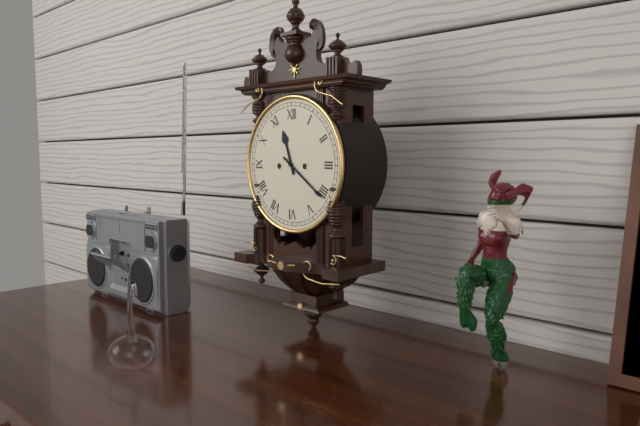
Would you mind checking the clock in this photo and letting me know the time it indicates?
11:21
